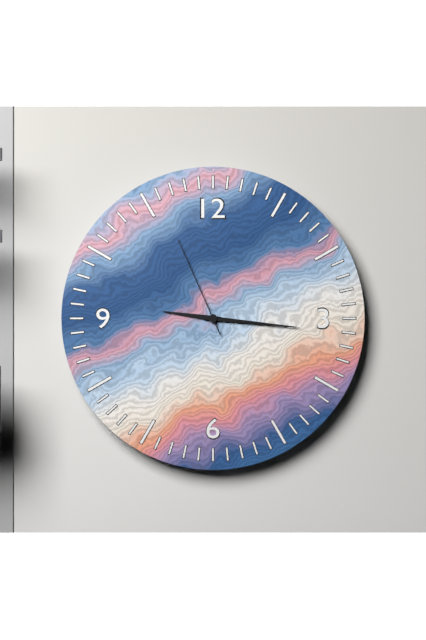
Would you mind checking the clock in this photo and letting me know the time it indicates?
9:16:56
